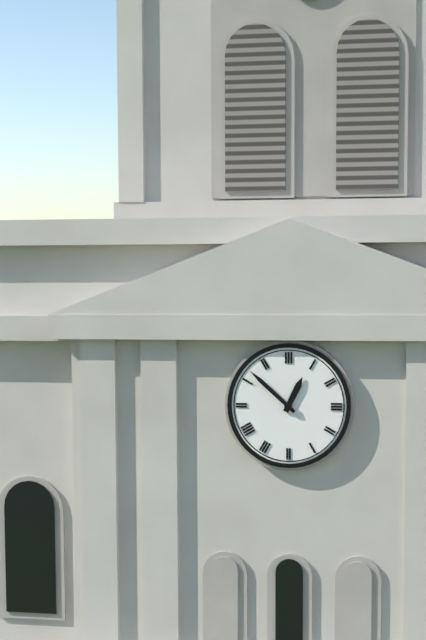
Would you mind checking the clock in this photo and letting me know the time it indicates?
12:52
